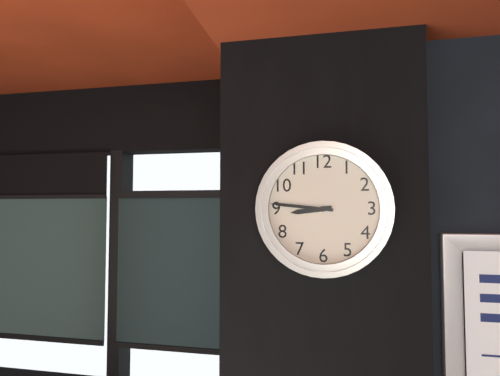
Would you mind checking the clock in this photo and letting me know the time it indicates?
8:46
